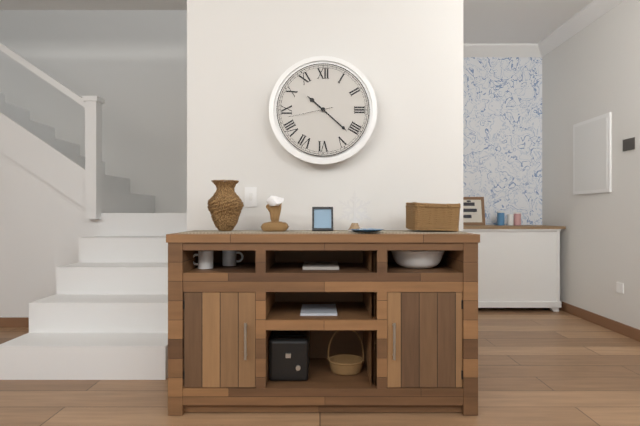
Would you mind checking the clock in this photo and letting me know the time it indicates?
10:22
